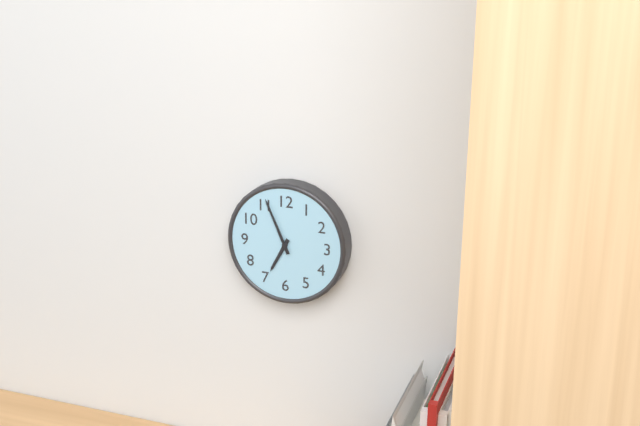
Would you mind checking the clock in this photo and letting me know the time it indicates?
6:56
